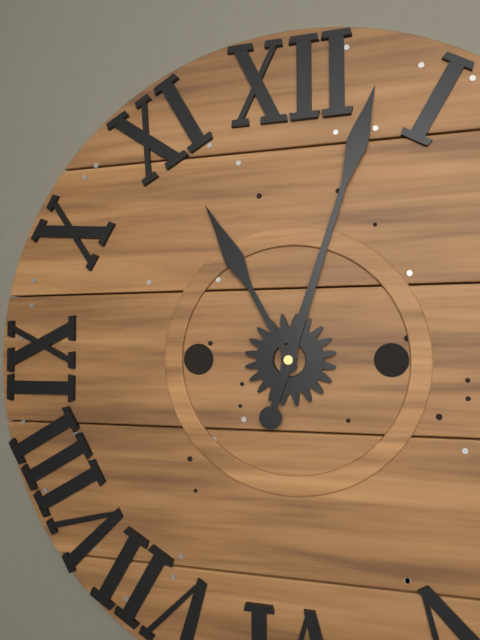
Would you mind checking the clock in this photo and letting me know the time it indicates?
11:03
